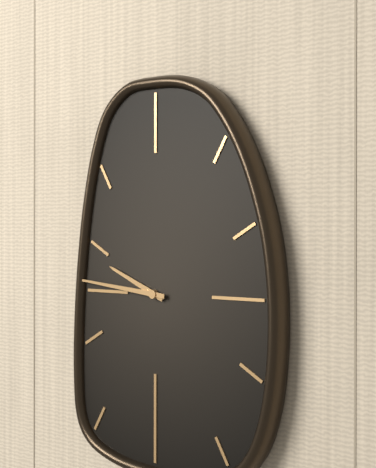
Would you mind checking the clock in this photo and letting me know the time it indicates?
9:46
